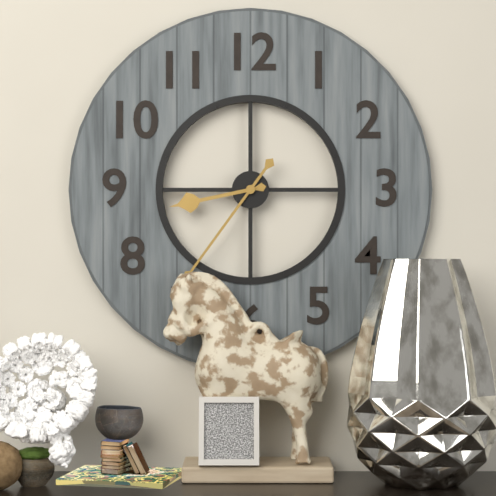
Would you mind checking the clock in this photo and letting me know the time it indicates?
8:36
